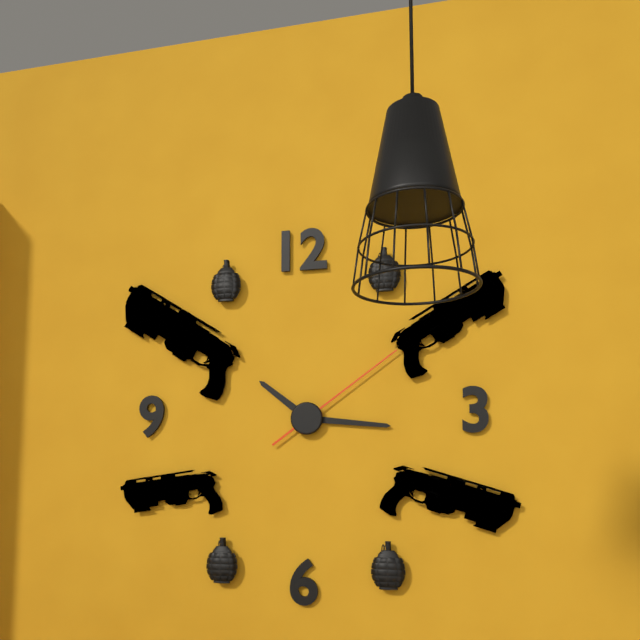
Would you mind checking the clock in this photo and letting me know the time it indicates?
10:16:09
